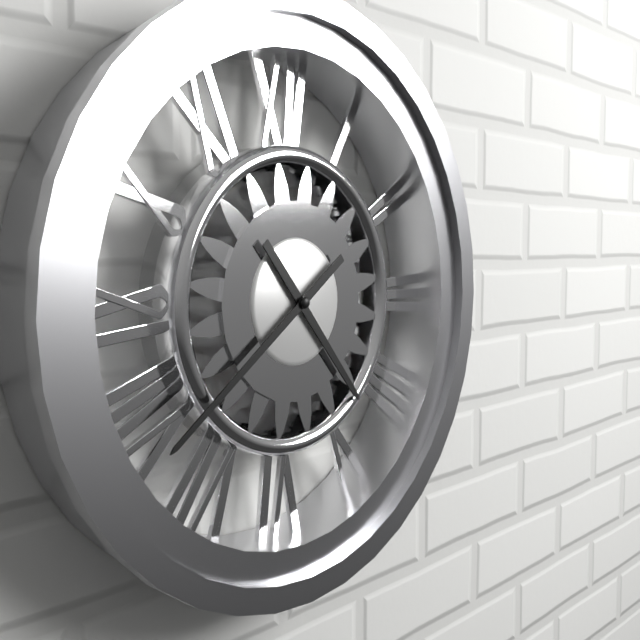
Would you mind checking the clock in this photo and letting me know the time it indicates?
4:39
